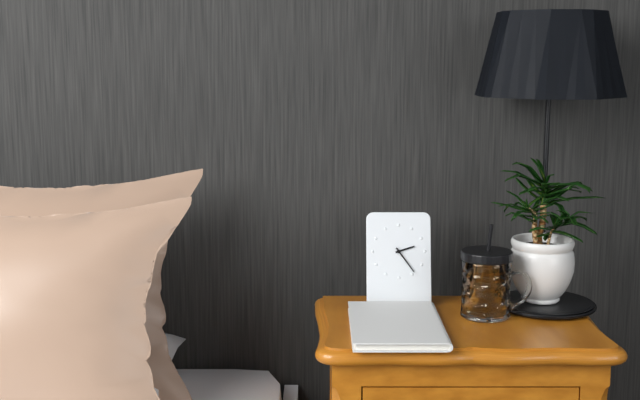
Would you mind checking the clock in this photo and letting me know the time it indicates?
2:24
